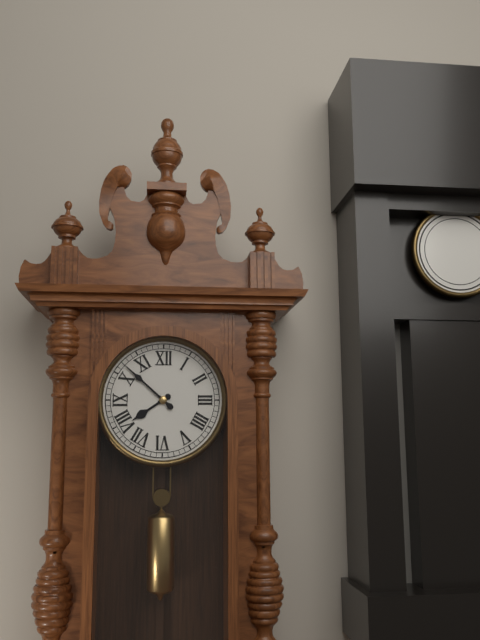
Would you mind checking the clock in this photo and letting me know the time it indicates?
7:52
